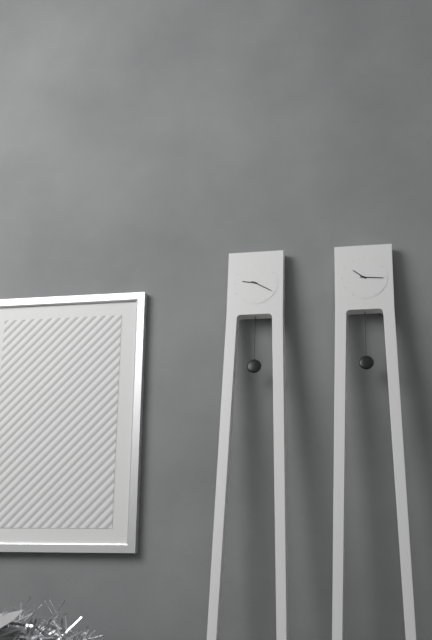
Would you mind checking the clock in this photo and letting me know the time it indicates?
9:20
